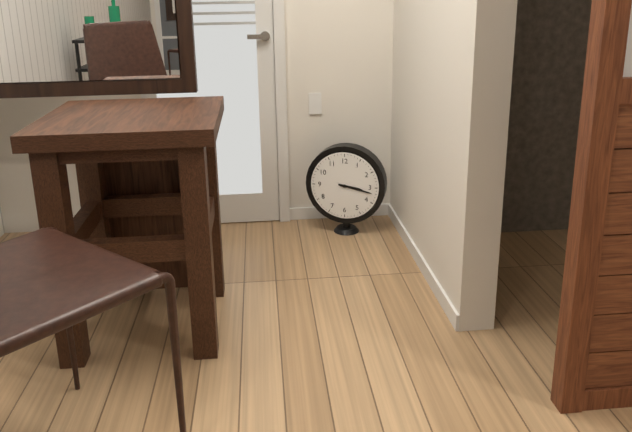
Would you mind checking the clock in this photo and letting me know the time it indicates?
3:17
